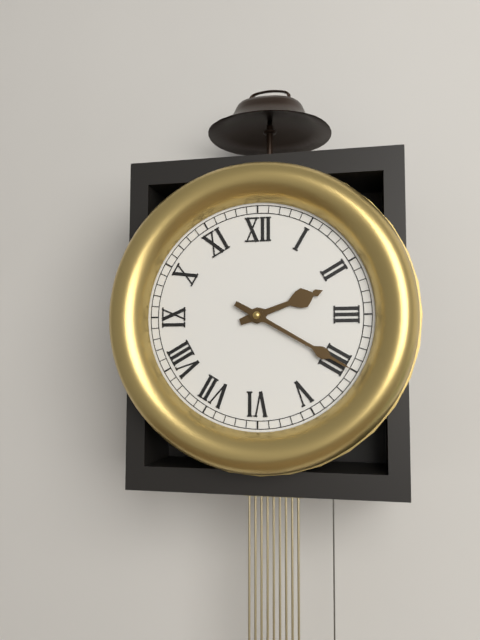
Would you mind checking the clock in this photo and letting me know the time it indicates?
2:20
